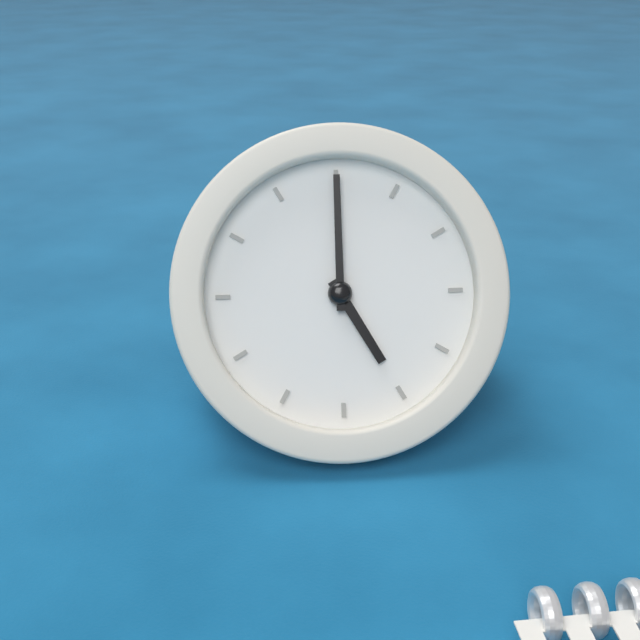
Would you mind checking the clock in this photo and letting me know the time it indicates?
5:00
